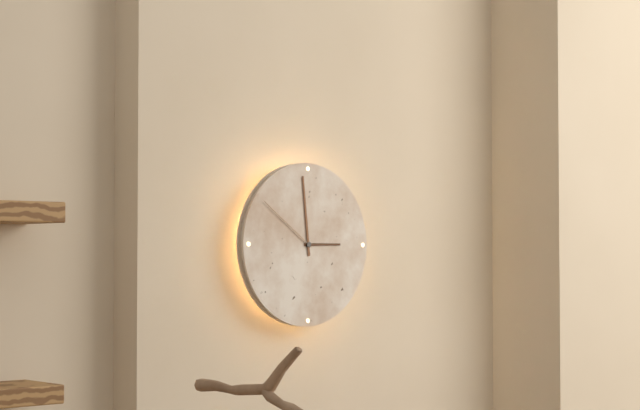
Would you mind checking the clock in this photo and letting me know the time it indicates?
2:59:51
